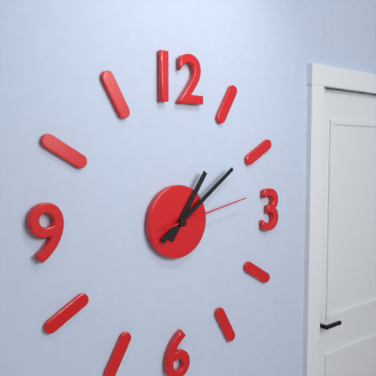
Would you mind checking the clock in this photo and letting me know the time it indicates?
1:09:13
